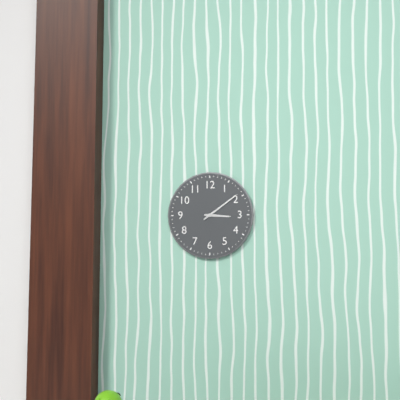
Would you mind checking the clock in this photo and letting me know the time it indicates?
3:09
